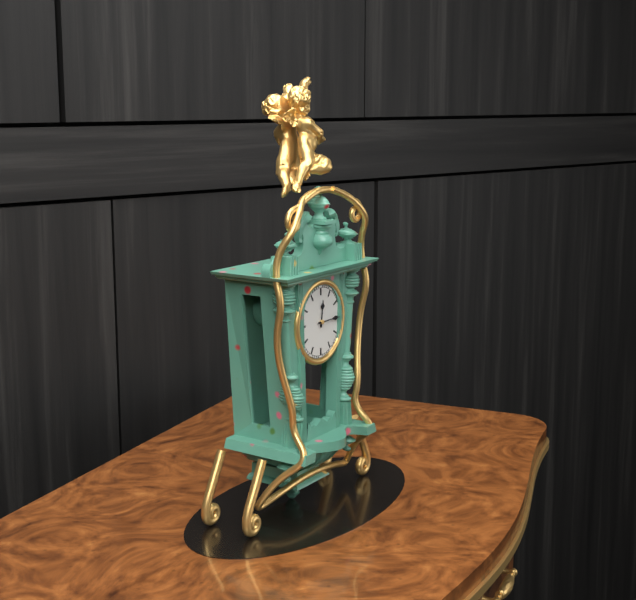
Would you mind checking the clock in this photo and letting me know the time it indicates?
12:15
